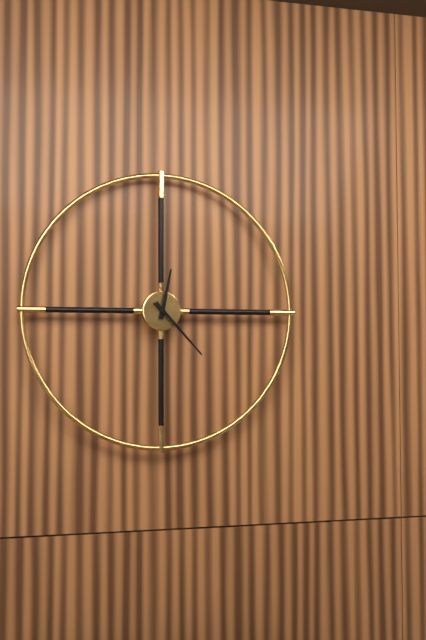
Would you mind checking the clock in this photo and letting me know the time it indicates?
12:23
